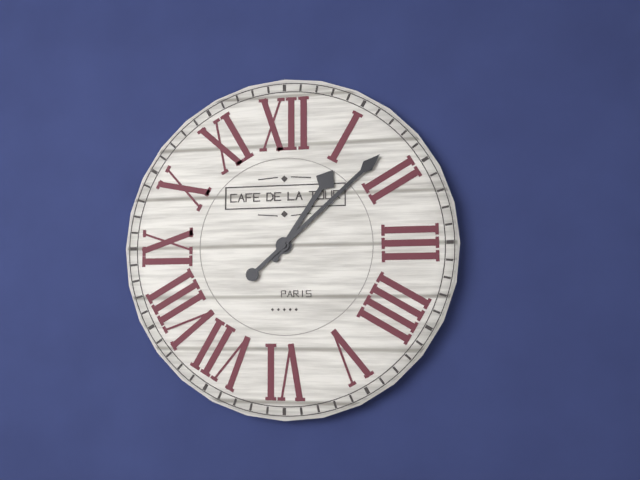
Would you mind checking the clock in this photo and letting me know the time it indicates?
1:08
